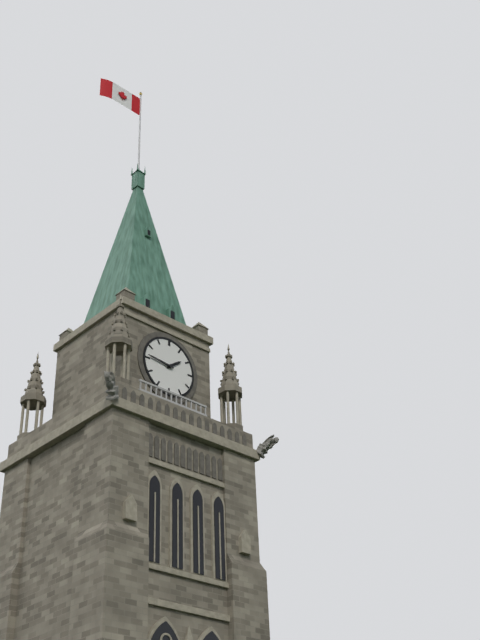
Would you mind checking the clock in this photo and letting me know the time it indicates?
1:46
